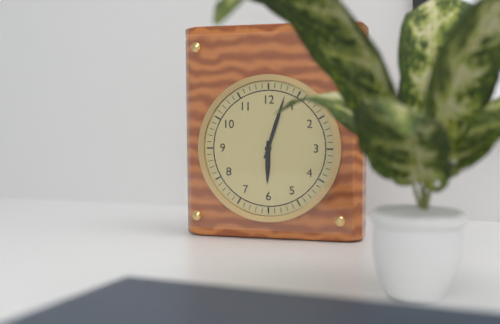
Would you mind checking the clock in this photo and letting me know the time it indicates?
6:03
